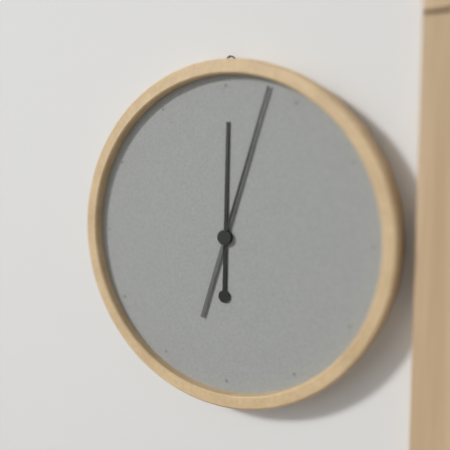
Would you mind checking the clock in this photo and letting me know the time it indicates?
12:03
